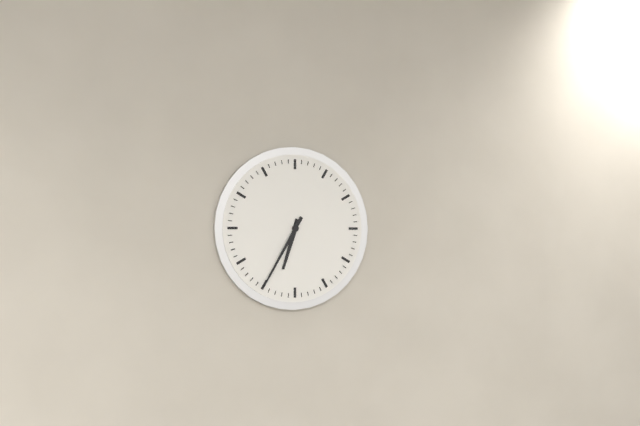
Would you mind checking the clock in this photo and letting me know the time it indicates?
6:35
